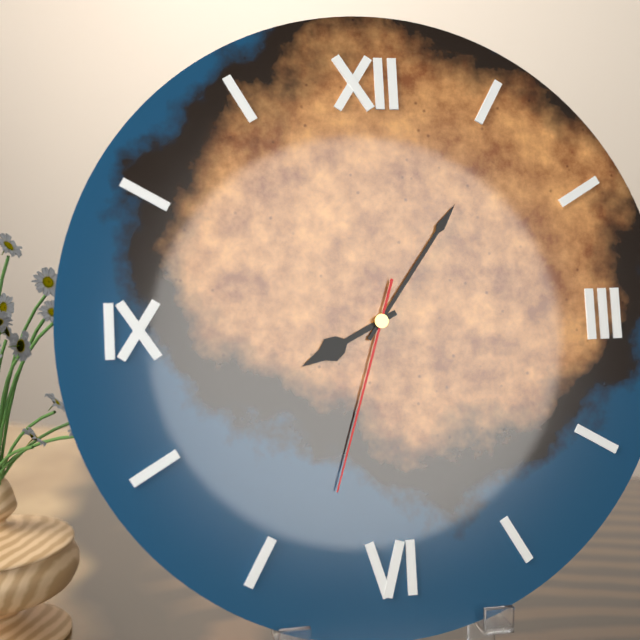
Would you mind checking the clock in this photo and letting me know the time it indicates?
8:06:33
